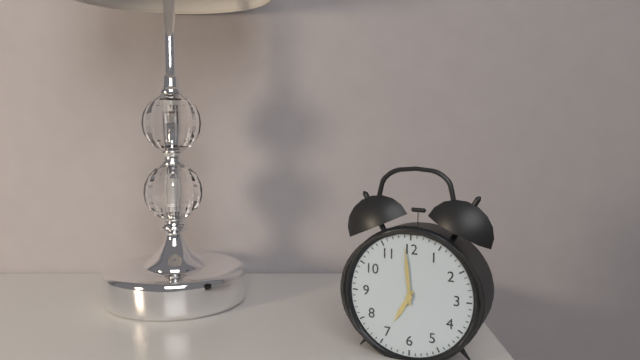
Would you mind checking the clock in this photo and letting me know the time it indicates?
6:59
